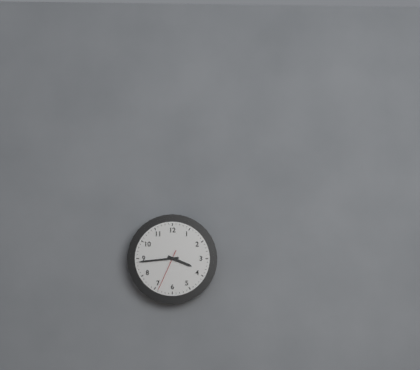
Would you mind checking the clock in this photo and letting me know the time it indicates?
3:44
